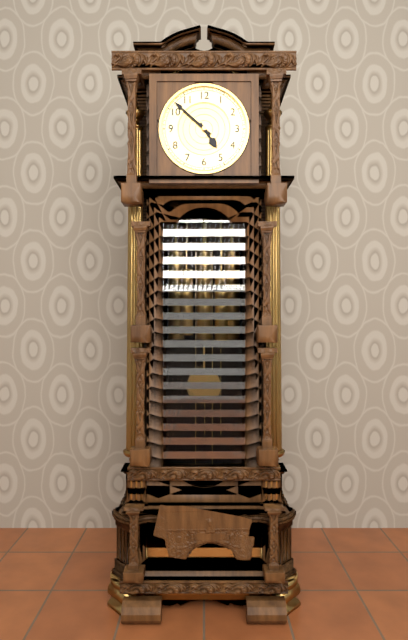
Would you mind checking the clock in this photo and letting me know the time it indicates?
4:52
